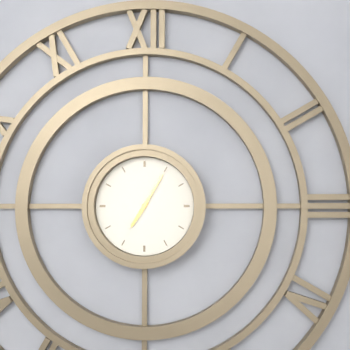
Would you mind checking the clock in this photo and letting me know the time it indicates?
7:05
